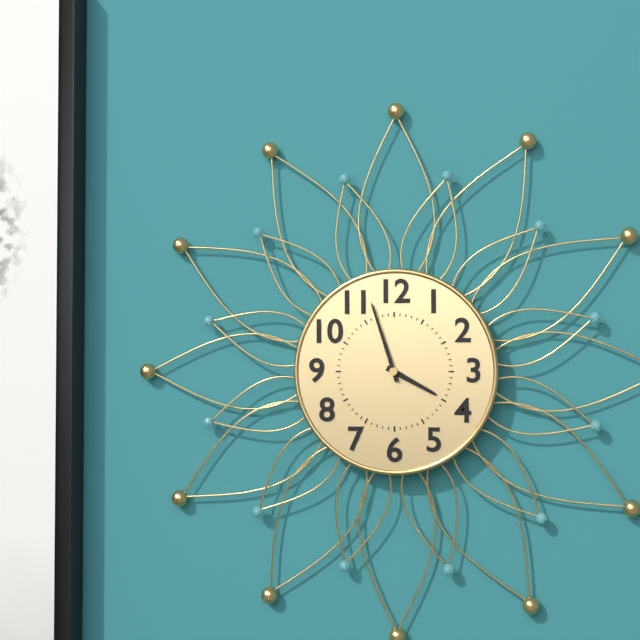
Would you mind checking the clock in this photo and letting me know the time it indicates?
3:57
